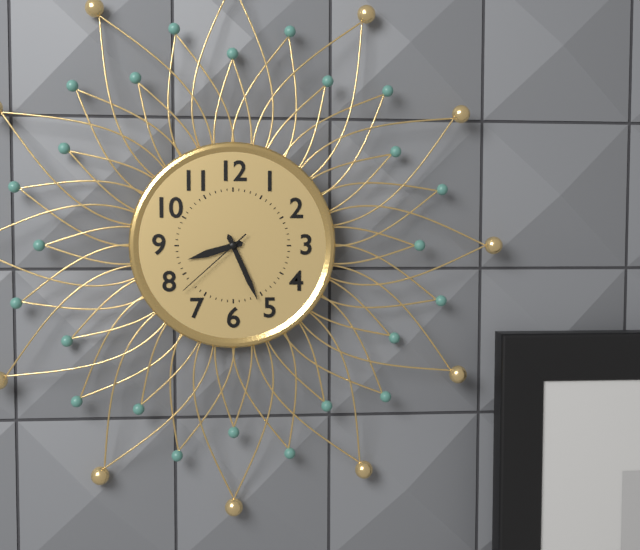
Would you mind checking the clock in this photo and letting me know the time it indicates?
8:26:38
